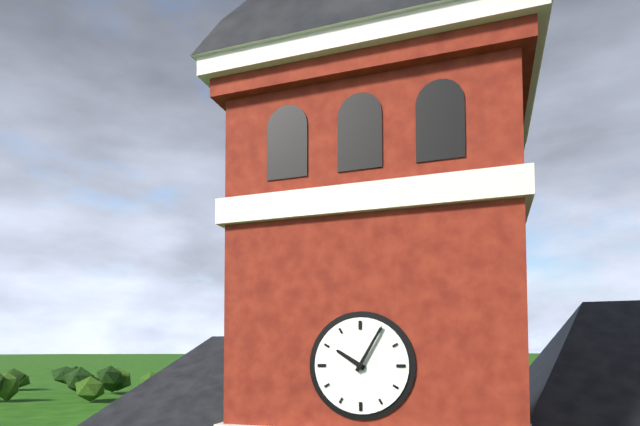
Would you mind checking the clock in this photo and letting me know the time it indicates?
10:05
